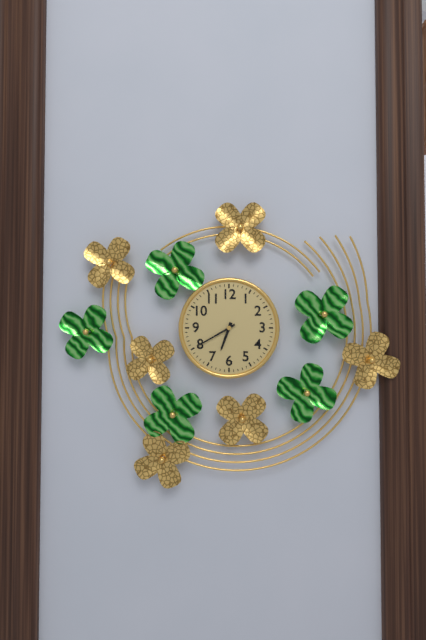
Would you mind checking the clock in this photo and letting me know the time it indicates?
6:40
